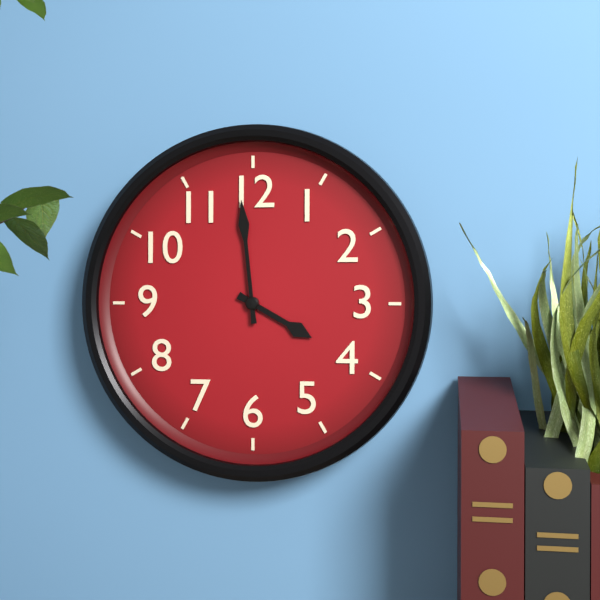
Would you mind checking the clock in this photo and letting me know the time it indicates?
3:59
